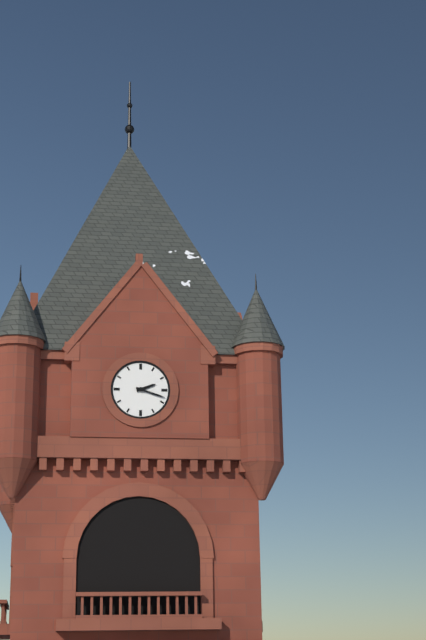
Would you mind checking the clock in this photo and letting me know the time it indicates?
2:18
